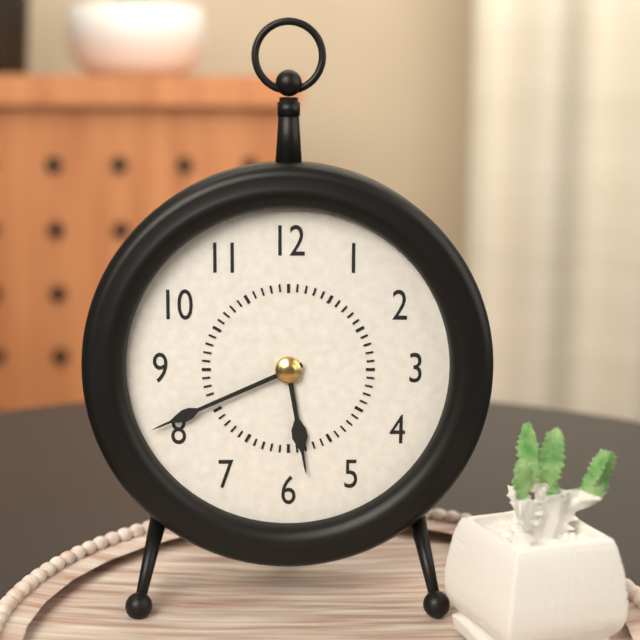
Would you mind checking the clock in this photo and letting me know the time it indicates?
5:41
